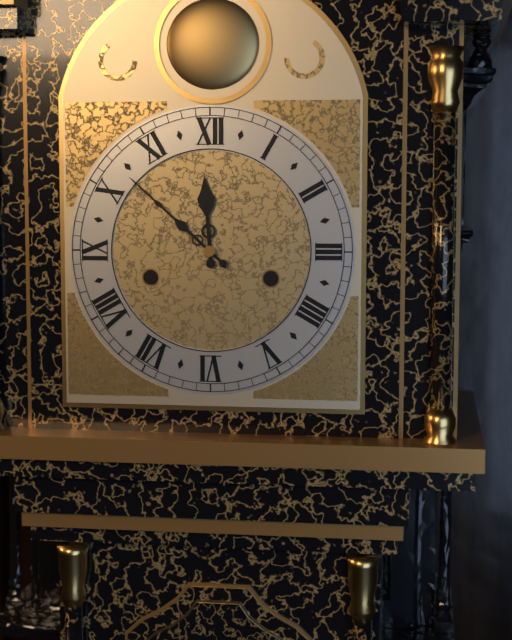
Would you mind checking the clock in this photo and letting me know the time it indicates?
11:52
